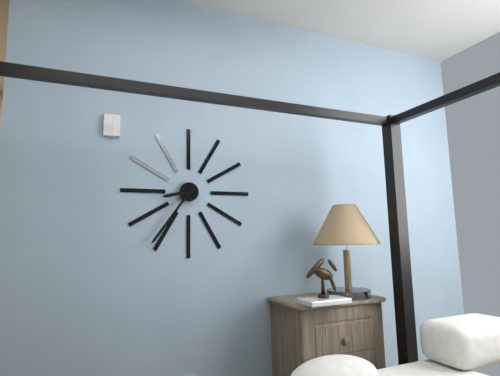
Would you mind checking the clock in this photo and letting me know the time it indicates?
8:36
